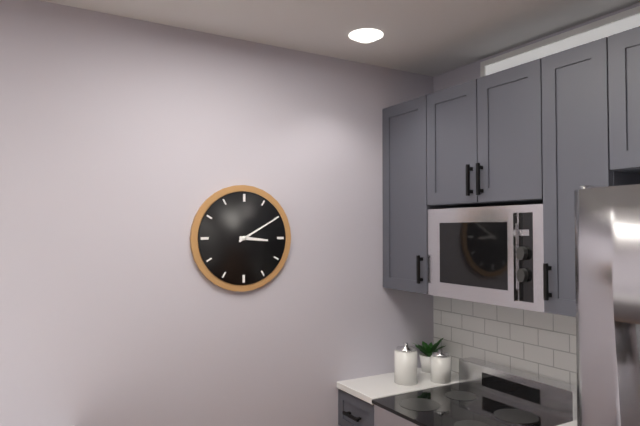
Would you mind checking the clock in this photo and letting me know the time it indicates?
3:10
